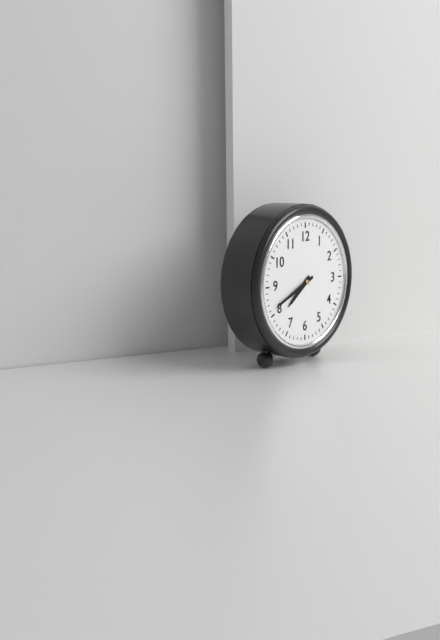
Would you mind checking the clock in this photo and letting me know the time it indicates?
7:41
